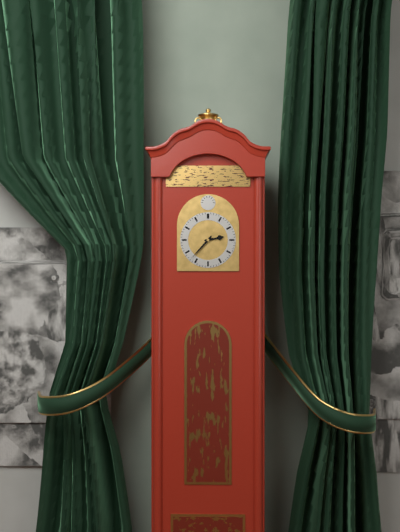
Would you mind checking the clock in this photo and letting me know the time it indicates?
2:37
